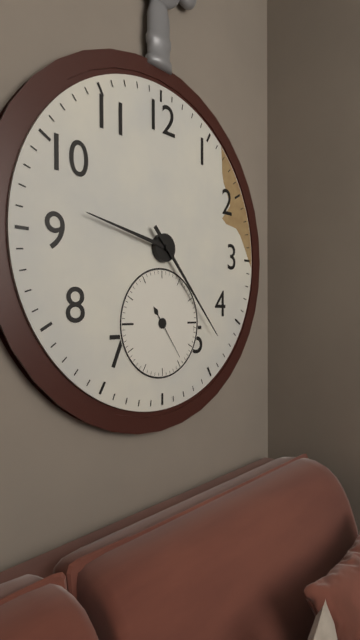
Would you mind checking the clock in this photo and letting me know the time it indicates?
9:23
